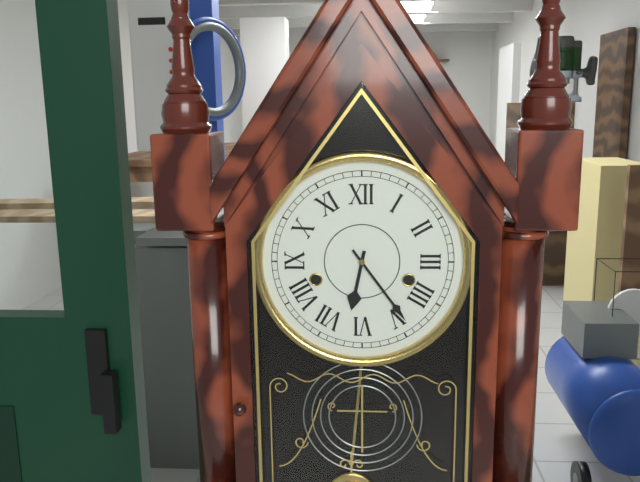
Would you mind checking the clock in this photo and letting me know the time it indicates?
6:24
